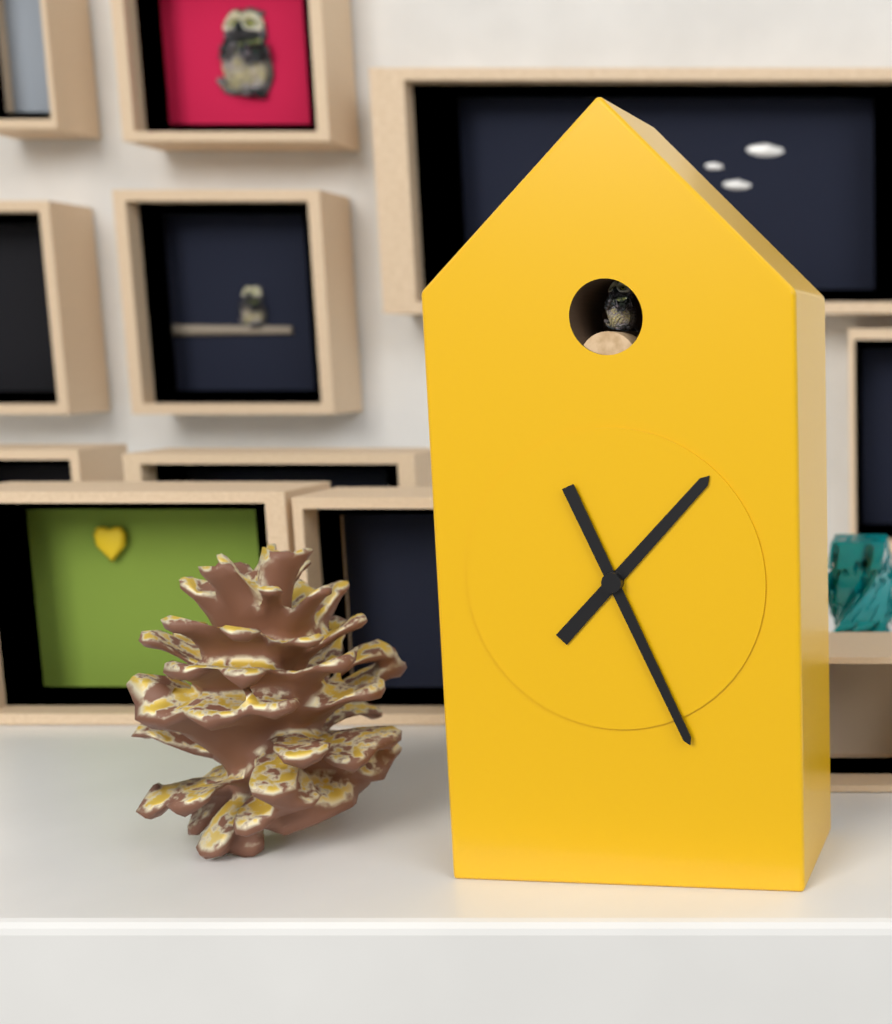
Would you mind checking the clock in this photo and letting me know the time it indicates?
1:26
